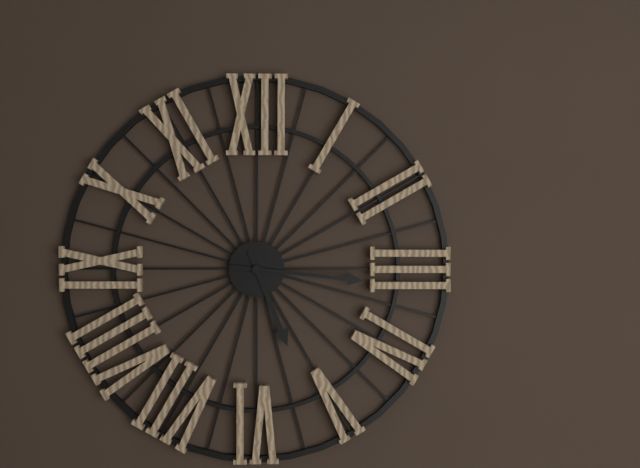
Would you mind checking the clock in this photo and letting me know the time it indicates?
5:16
